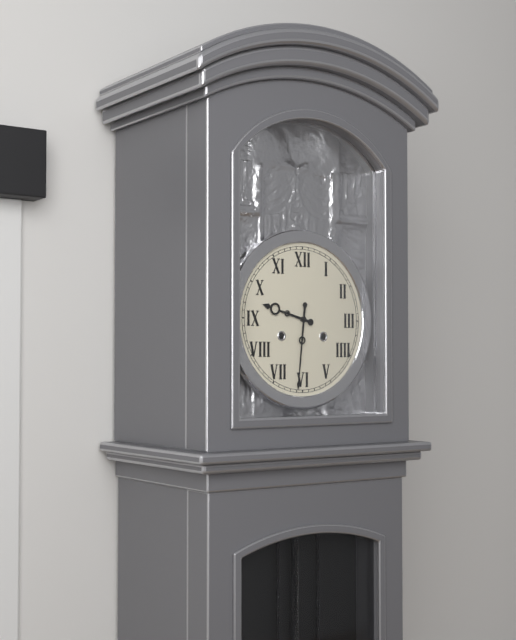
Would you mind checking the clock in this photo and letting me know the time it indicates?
9:31
